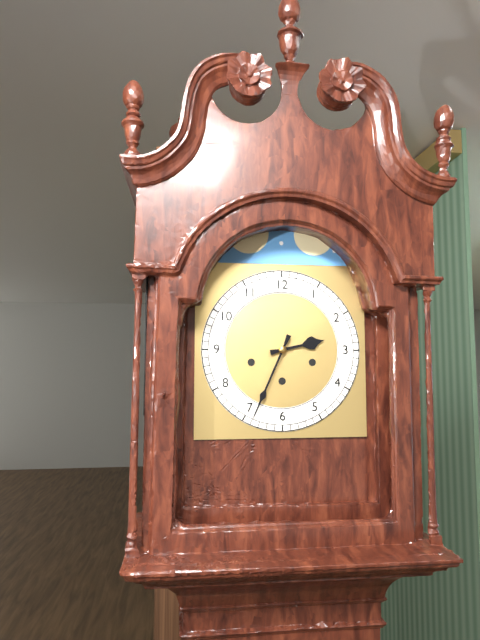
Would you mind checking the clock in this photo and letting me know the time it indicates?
2:34
